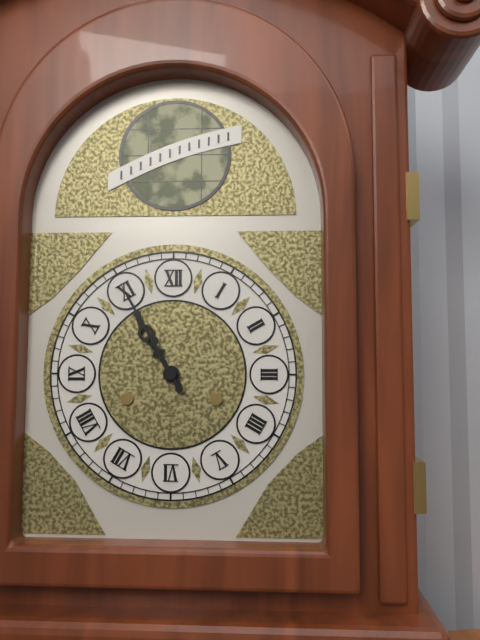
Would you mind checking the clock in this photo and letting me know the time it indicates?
10:55
